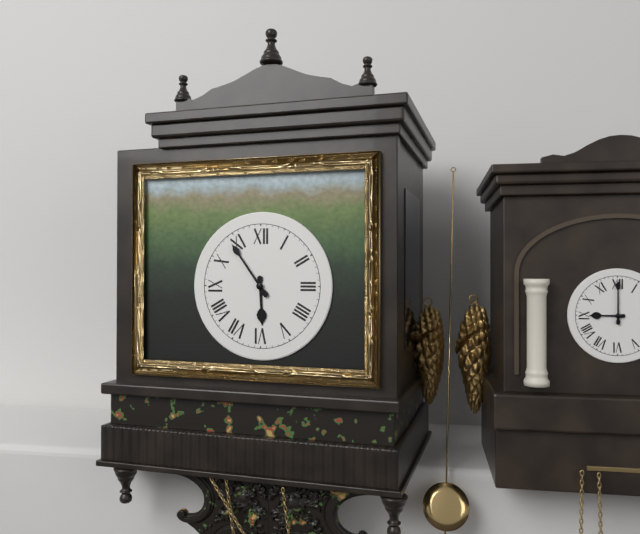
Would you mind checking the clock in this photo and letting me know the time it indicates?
5:54
